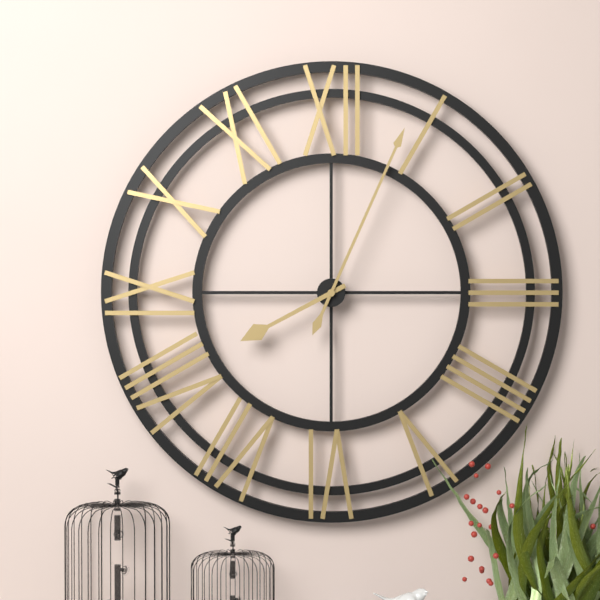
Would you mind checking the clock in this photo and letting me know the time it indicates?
8:04
